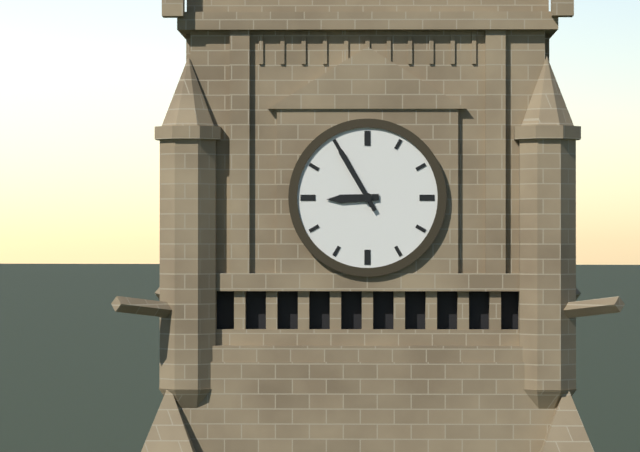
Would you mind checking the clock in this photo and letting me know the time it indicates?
8:55
